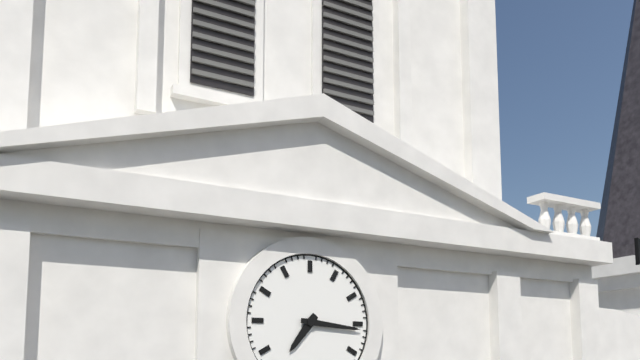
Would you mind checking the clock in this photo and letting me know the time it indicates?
7:16
